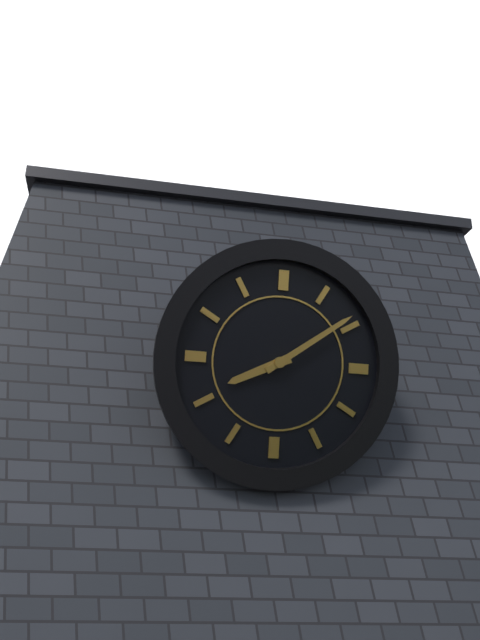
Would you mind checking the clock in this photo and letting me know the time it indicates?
8:09
